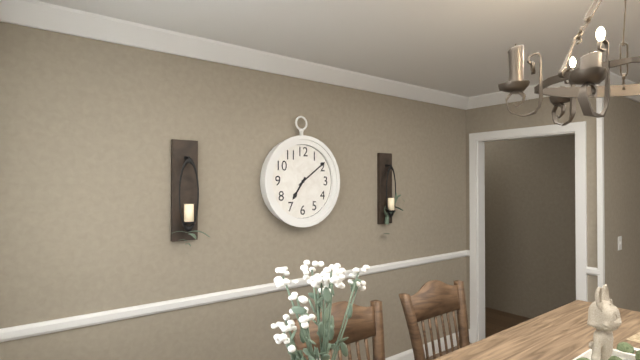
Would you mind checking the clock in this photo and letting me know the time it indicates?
7:09
